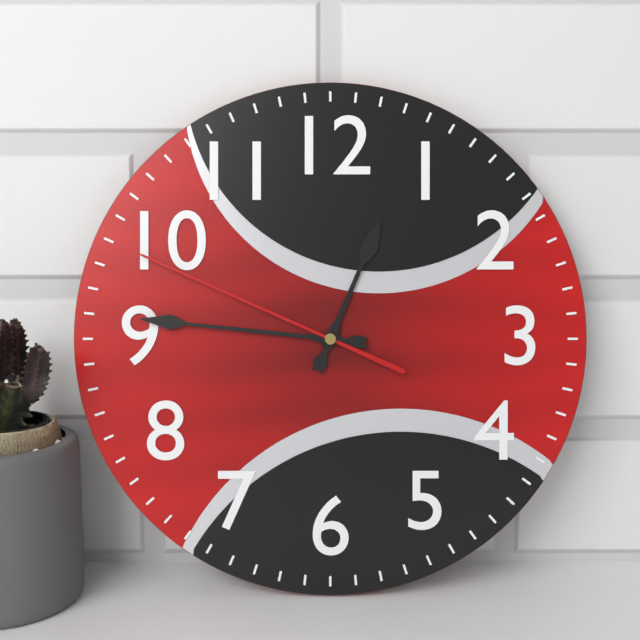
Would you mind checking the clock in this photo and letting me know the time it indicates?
12:46:49
